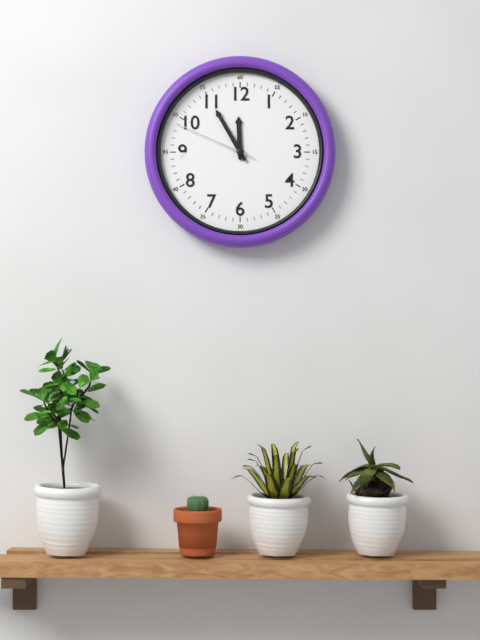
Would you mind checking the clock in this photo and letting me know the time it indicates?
11:55:49
